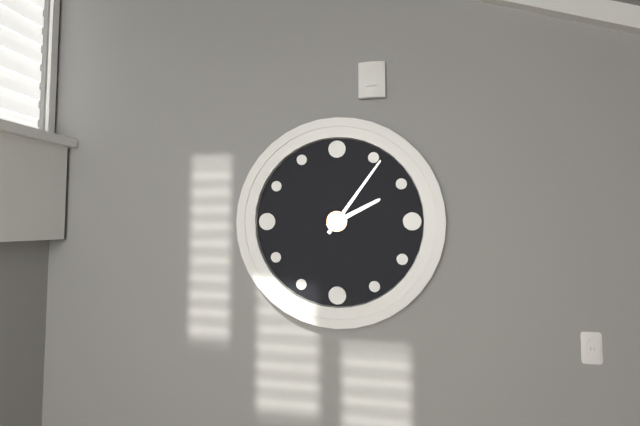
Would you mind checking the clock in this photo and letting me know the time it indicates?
2:06
